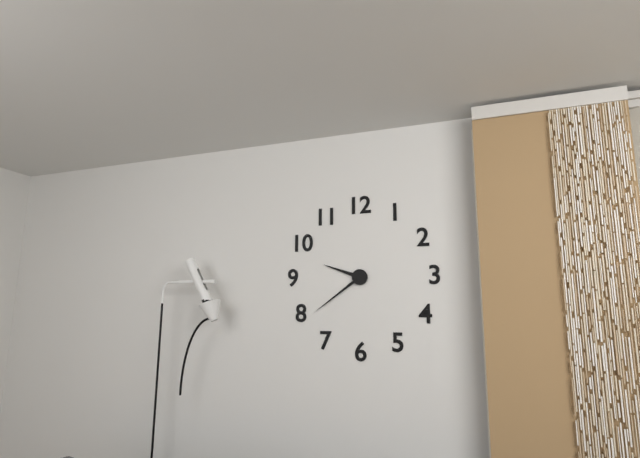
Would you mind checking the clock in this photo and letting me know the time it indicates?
9:39
